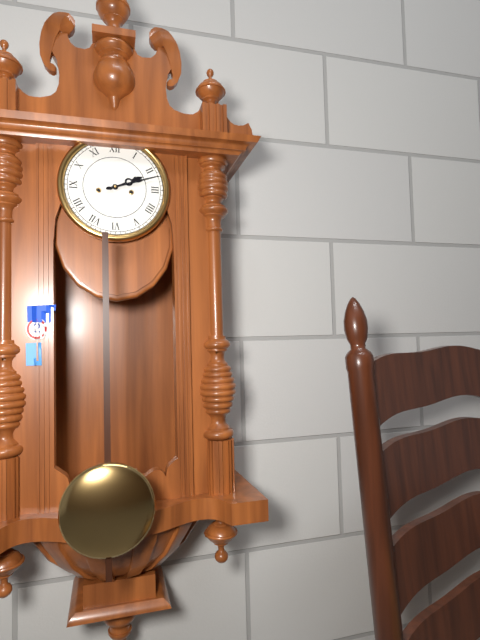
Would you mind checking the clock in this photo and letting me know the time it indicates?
2:12
